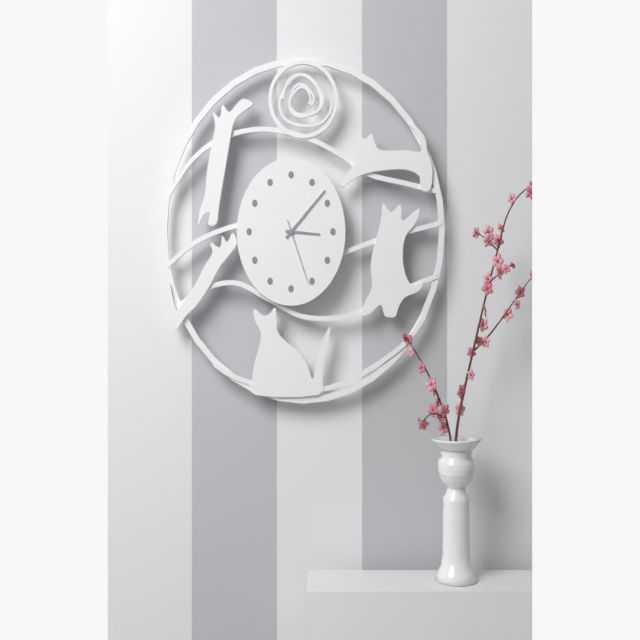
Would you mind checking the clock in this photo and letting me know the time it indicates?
3:08:26
